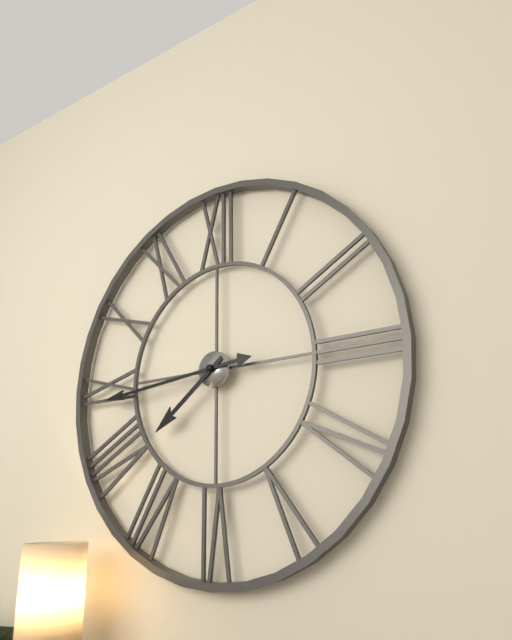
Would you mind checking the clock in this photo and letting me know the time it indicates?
7:44
